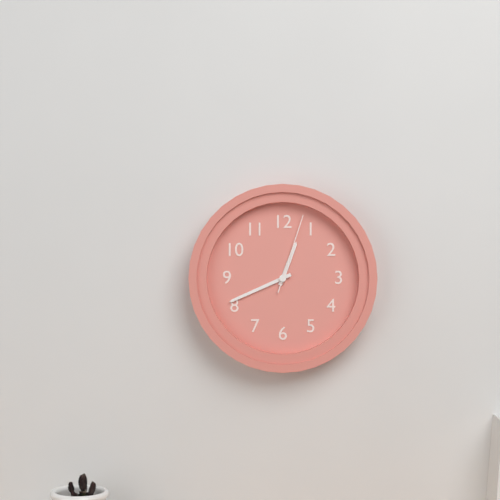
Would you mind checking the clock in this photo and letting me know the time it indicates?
12:41:03
